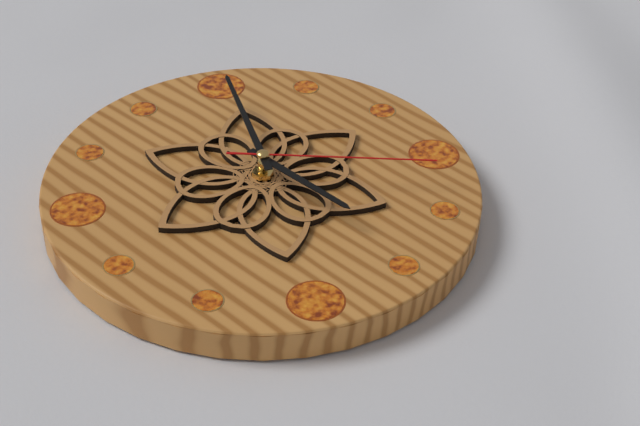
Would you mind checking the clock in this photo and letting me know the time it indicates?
5:00:18
